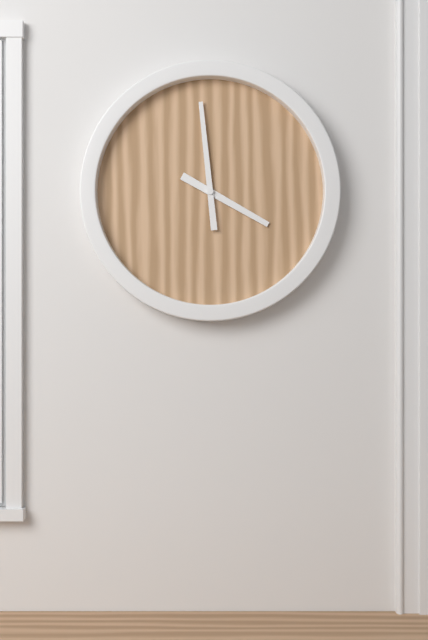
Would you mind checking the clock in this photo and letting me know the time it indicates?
3:59
